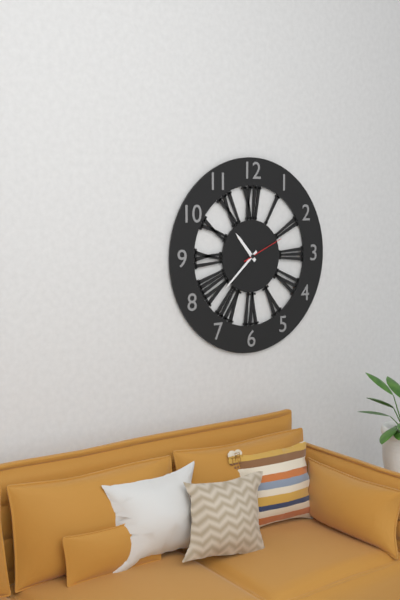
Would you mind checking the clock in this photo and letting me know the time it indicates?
10:38
